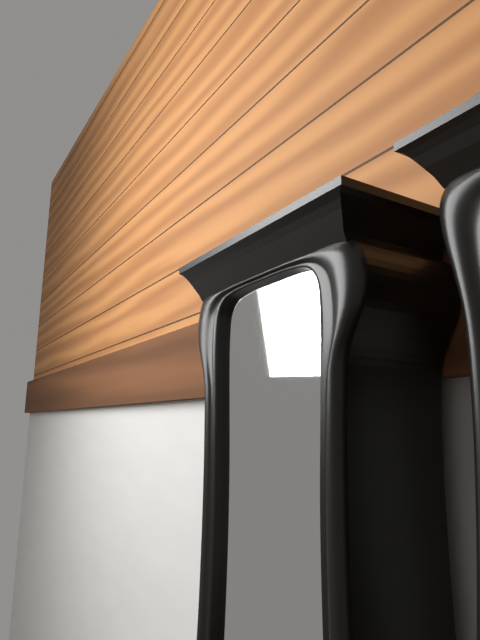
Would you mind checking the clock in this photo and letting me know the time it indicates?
10:33
